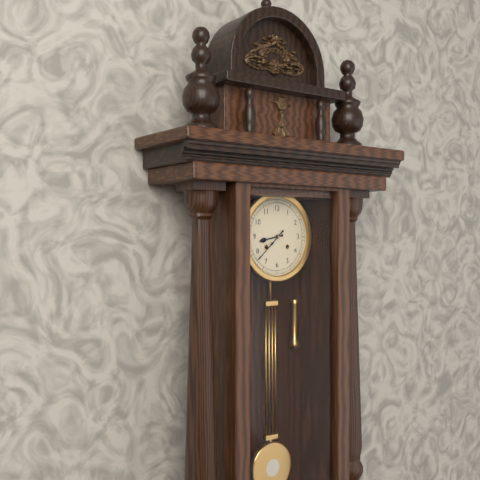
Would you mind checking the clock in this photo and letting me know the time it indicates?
8:38
